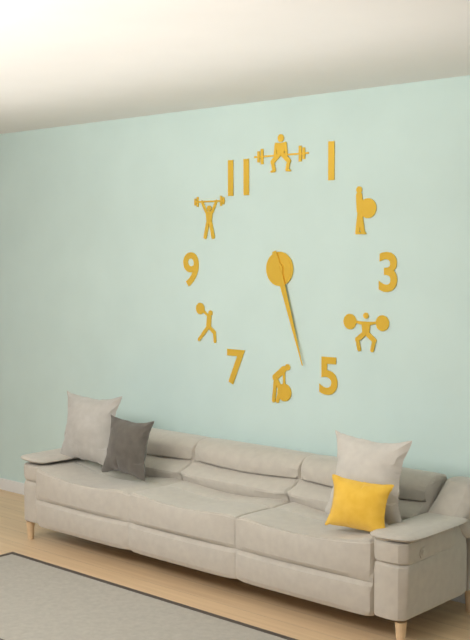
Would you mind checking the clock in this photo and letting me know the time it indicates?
5:27
